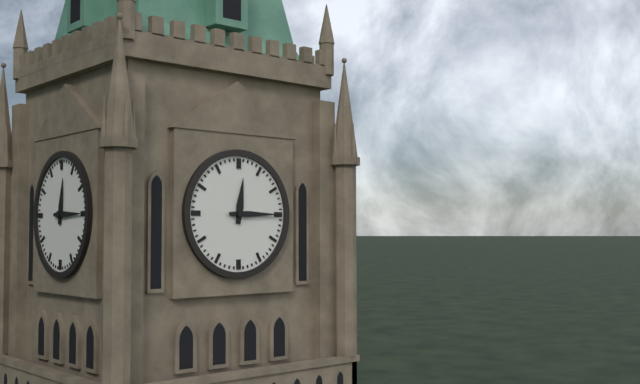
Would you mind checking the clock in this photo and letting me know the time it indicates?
12:15
